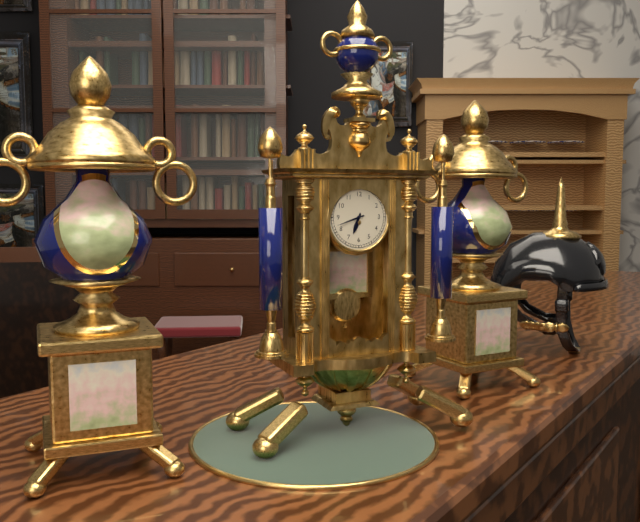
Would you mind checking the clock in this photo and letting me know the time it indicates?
6:42
